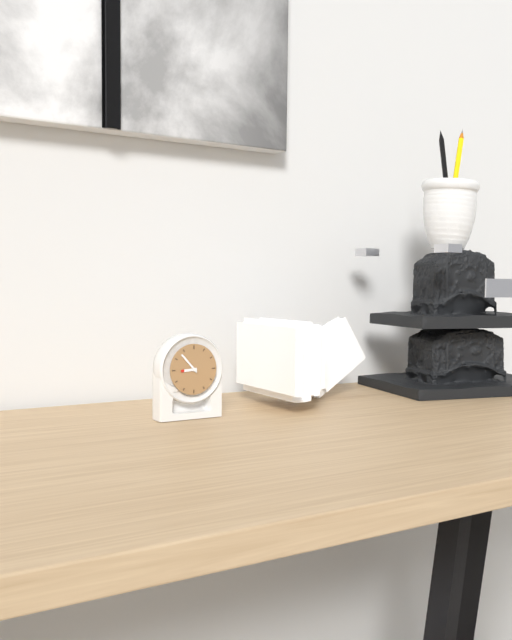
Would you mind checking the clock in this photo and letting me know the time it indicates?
8:53
